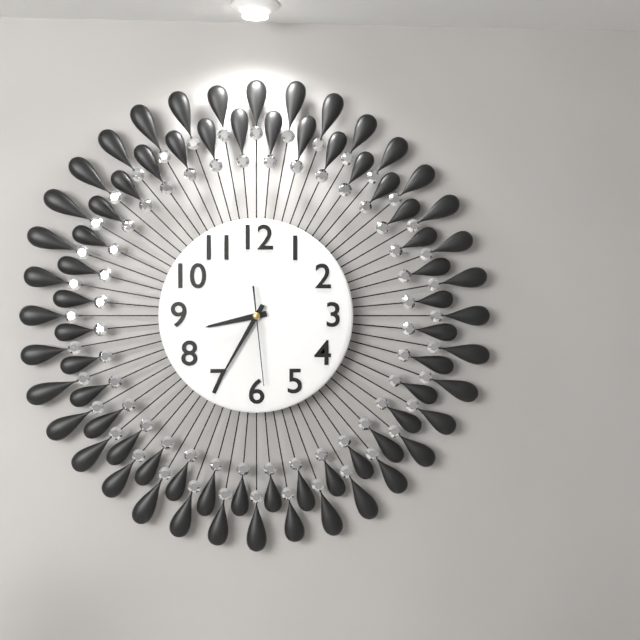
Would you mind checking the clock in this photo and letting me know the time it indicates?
8:35:29
